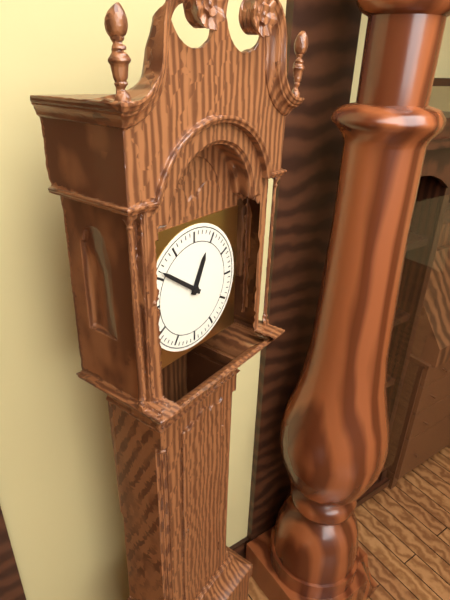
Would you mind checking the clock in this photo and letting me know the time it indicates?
12:51
